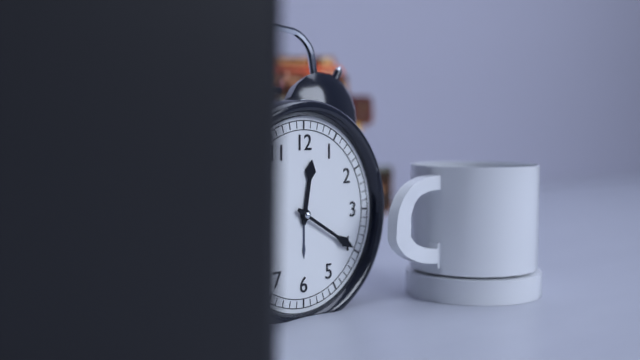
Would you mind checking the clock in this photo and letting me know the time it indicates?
12:20
